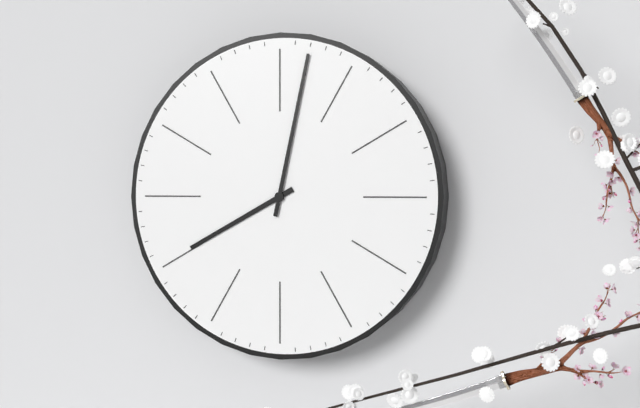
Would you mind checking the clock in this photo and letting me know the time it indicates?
8:02
